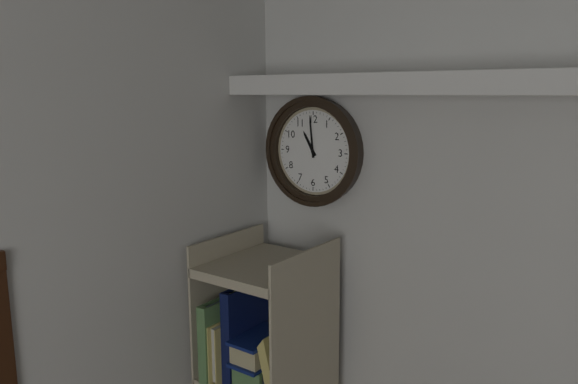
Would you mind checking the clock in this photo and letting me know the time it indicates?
10:59
